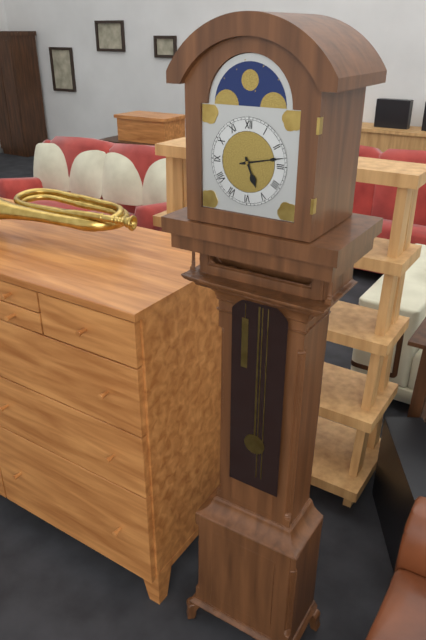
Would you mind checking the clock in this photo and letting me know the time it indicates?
5:13
